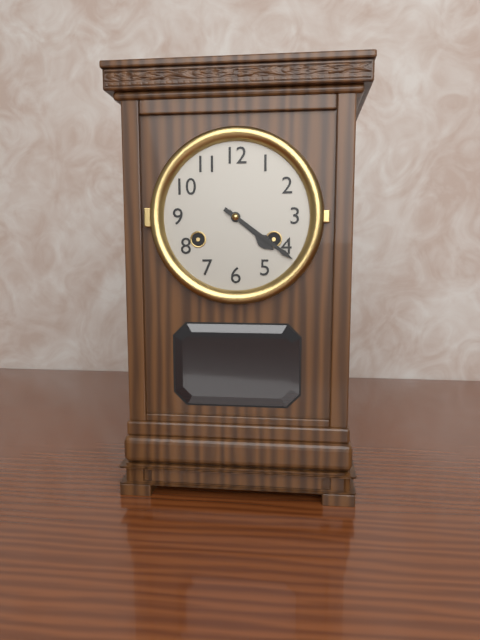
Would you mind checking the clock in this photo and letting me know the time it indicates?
4:21
